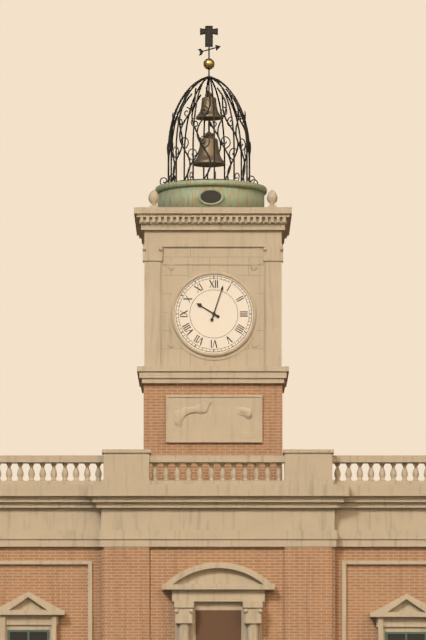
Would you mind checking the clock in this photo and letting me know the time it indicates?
10:03
